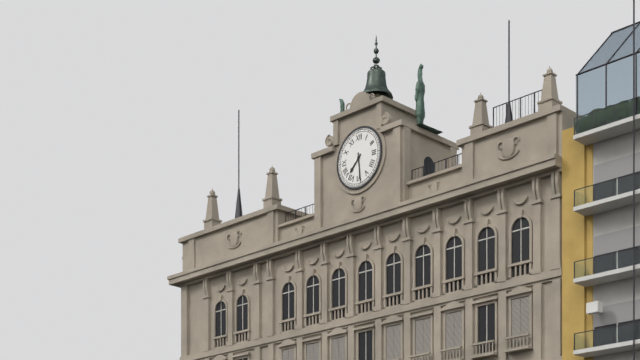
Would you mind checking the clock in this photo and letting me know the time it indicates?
7:29
